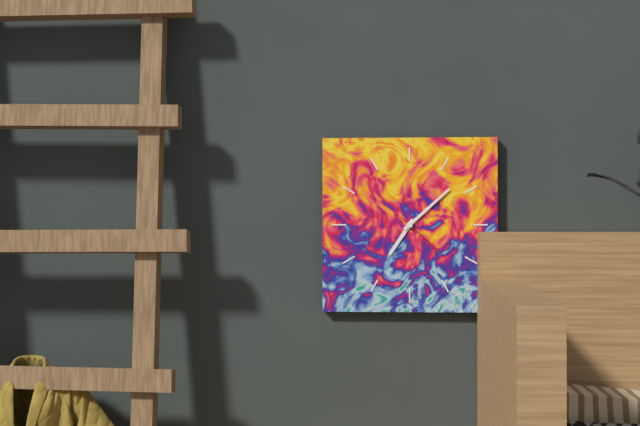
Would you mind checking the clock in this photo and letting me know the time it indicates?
7:08:22
